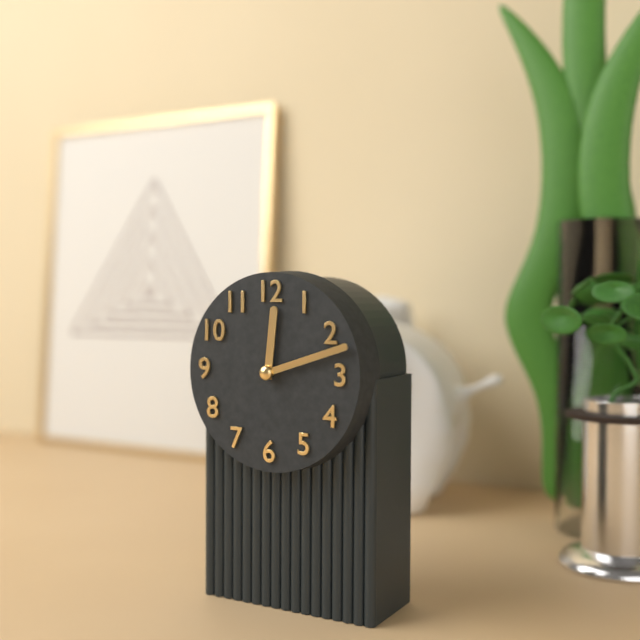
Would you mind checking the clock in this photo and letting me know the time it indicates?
12:12
